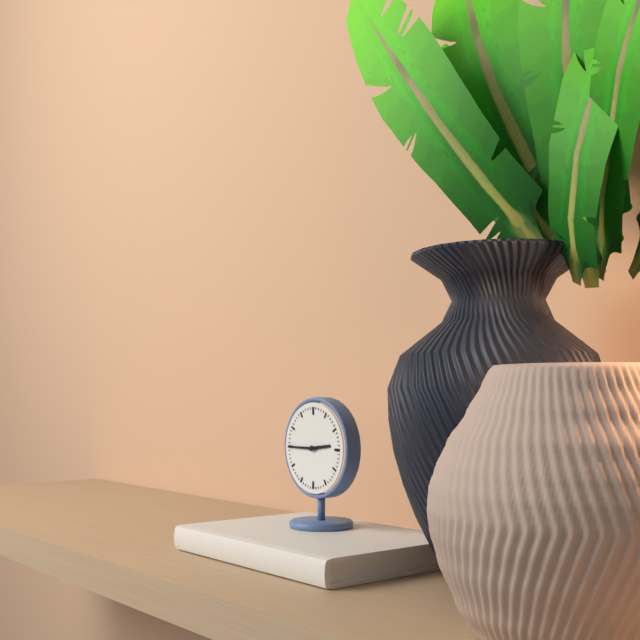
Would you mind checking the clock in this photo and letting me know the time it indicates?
2:45
